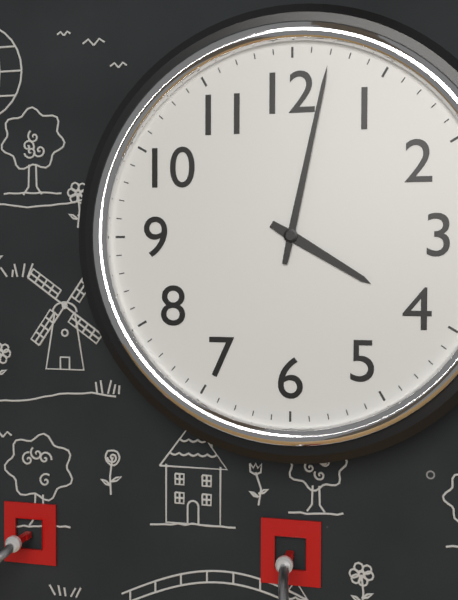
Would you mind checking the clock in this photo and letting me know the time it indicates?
4:02
